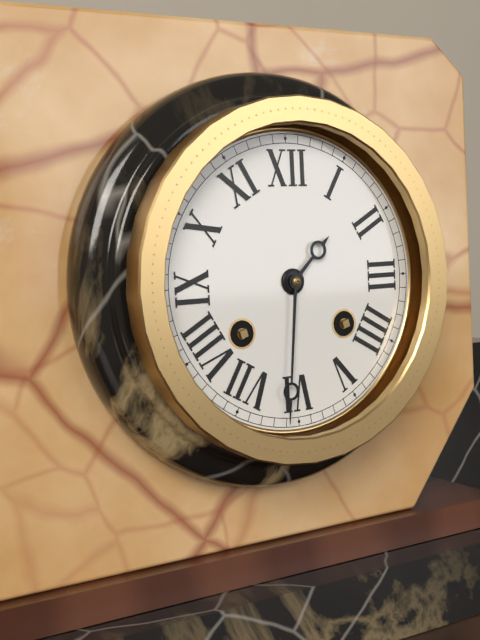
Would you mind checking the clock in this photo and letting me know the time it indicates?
1:31
